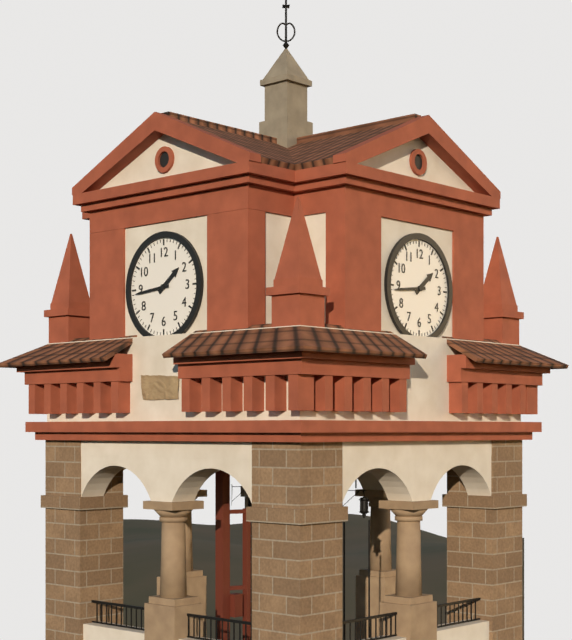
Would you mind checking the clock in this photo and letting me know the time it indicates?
1:44
